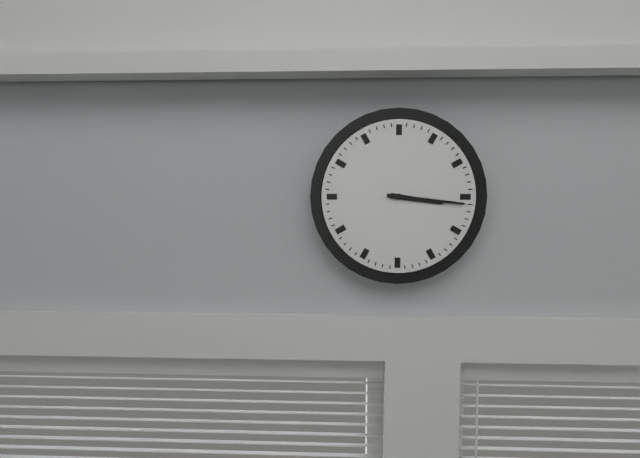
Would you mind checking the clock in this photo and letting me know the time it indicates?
3:16
